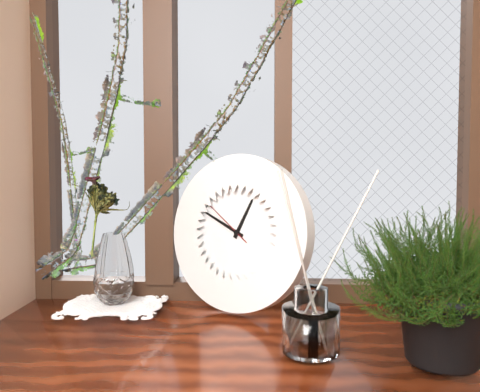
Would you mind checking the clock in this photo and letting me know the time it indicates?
12:49
